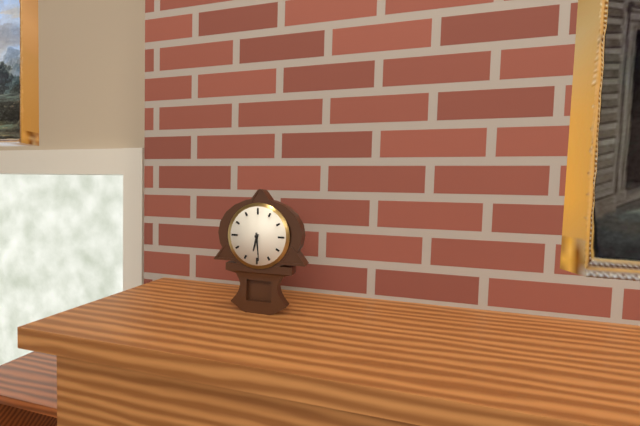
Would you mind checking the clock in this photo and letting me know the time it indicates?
6:29
